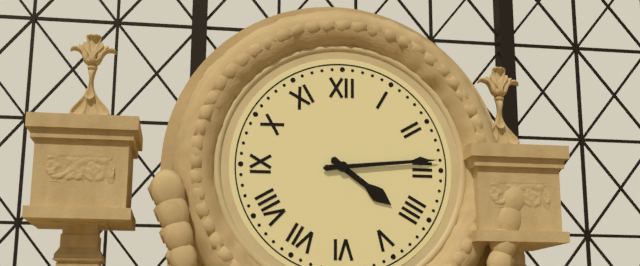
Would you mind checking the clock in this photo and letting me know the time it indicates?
4:14
